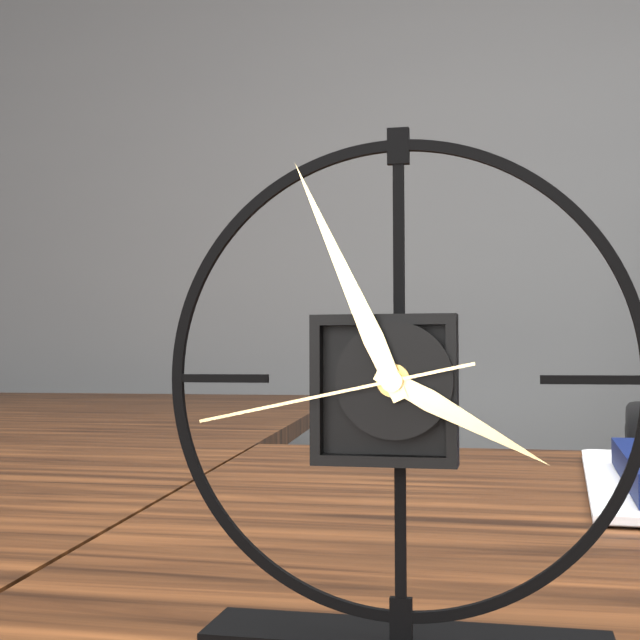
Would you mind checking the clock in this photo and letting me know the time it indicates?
3:56:43
